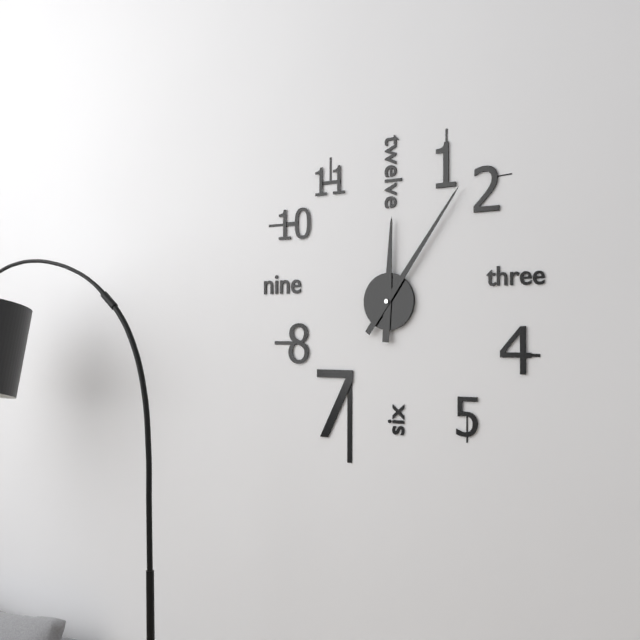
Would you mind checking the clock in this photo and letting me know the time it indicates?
12:06
